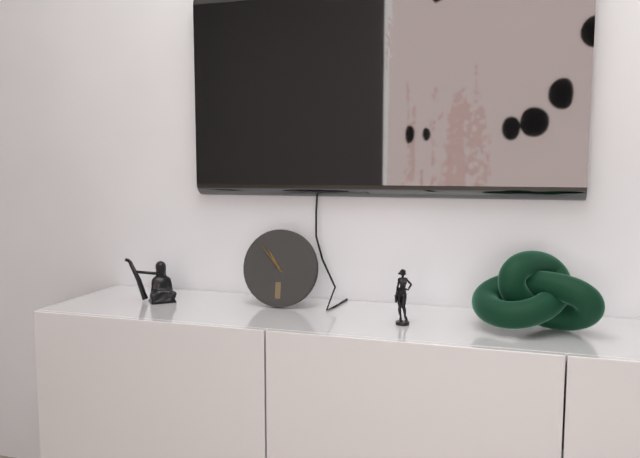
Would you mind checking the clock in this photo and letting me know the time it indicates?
10:53
